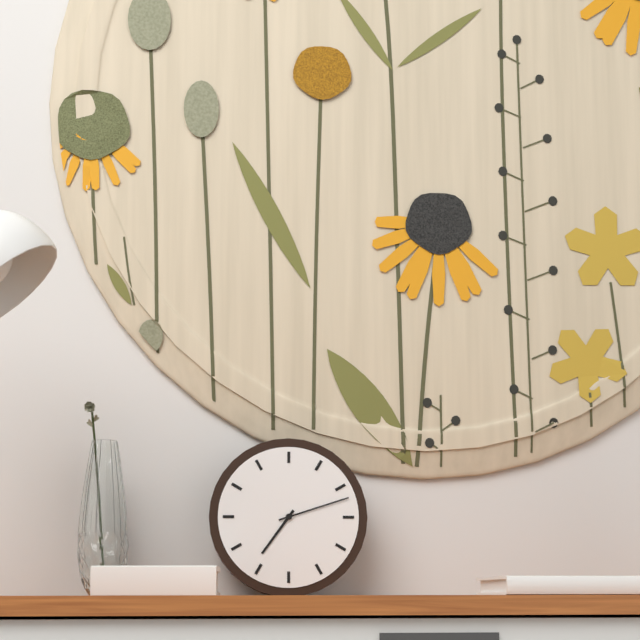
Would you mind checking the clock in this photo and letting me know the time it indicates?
7:12
